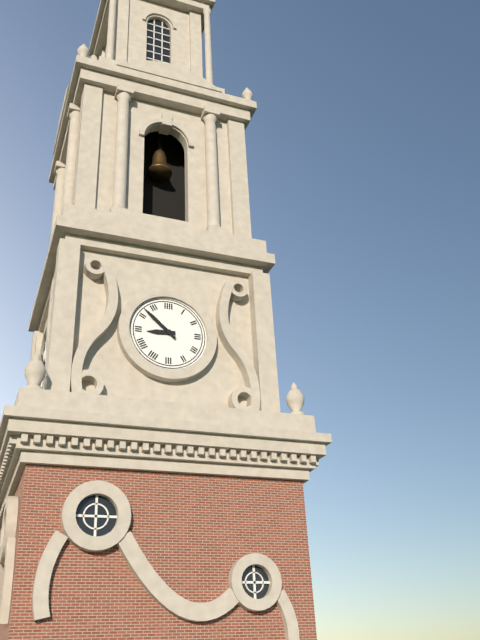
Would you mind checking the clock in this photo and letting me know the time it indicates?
8:52
